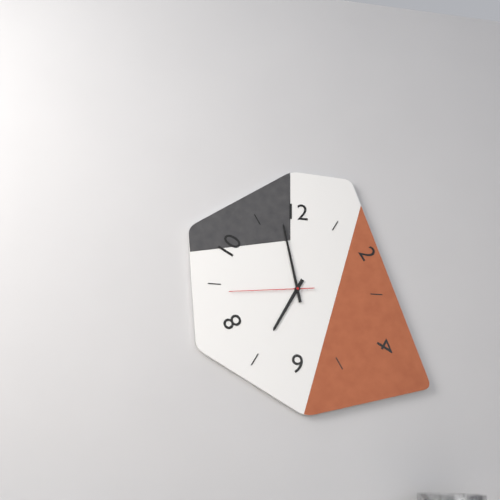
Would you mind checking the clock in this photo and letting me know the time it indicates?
6:58:44
